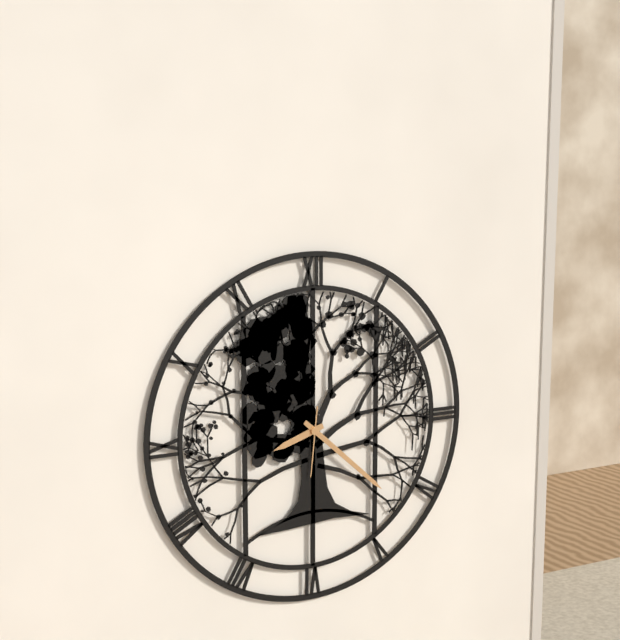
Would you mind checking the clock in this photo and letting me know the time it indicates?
8:22:31
